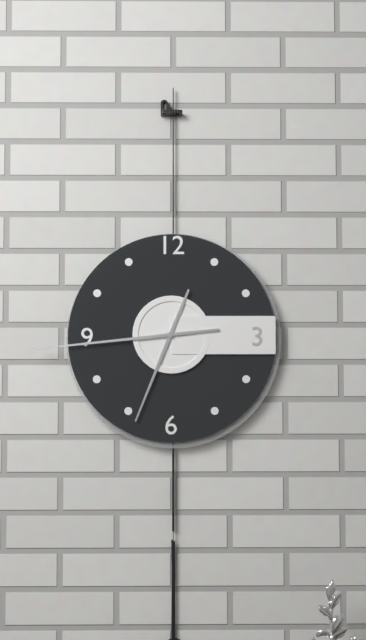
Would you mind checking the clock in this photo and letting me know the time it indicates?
6:44
